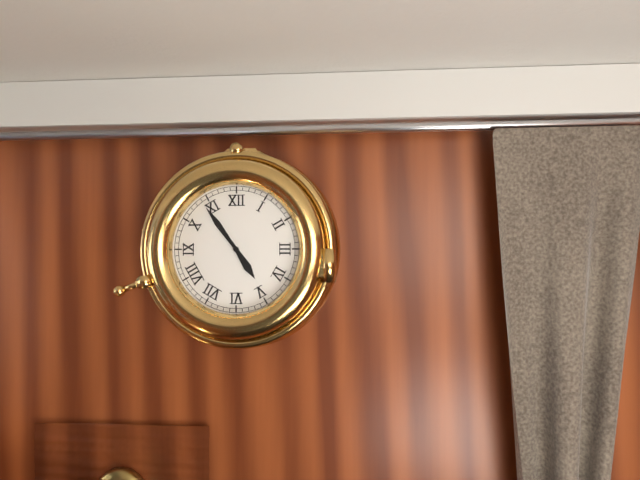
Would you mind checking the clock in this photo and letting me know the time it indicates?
4:54
